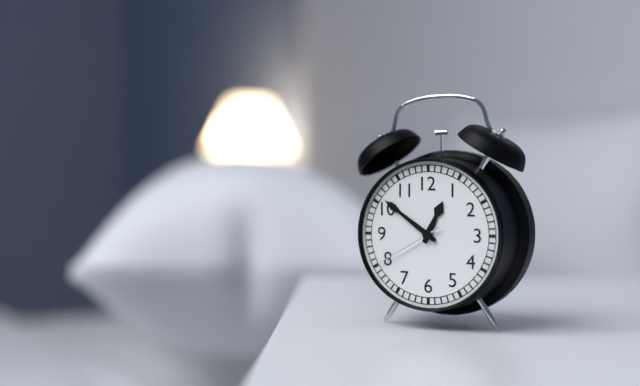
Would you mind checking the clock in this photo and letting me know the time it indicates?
12:51:40
